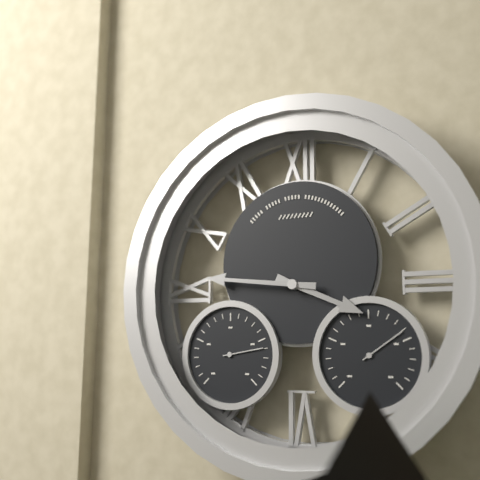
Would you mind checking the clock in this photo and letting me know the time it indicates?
3:46
